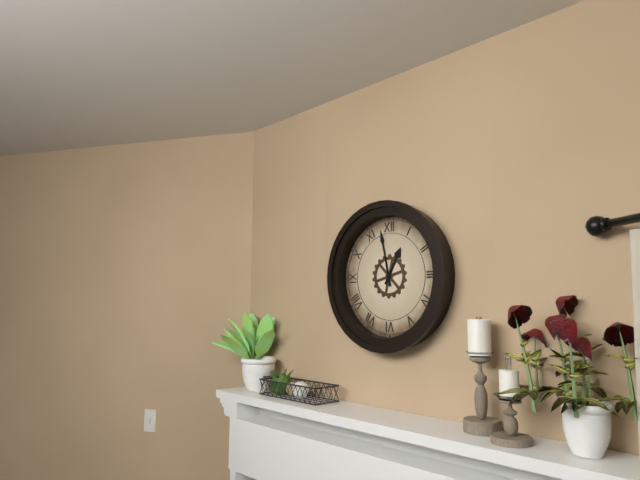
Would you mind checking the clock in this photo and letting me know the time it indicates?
12:58
